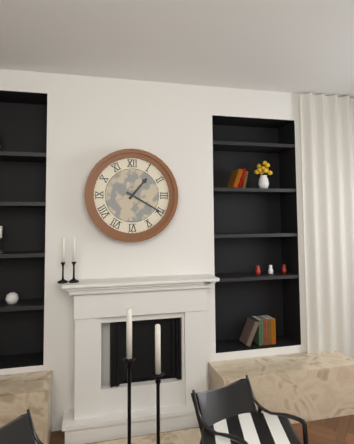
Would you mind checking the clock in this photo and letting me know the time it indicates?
1:20
